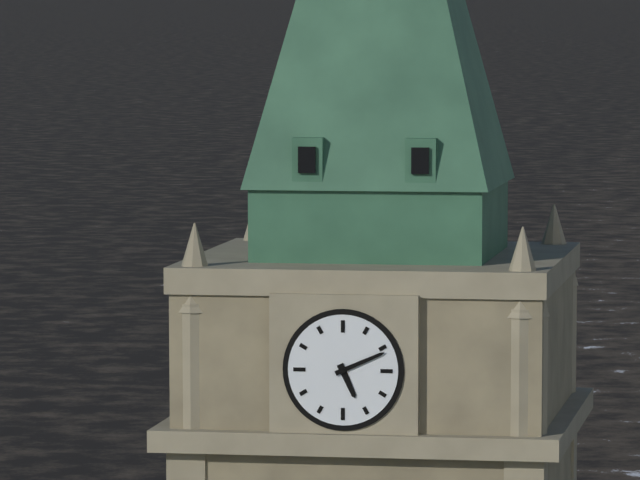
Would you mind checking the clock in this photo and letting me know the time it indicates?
5:11
